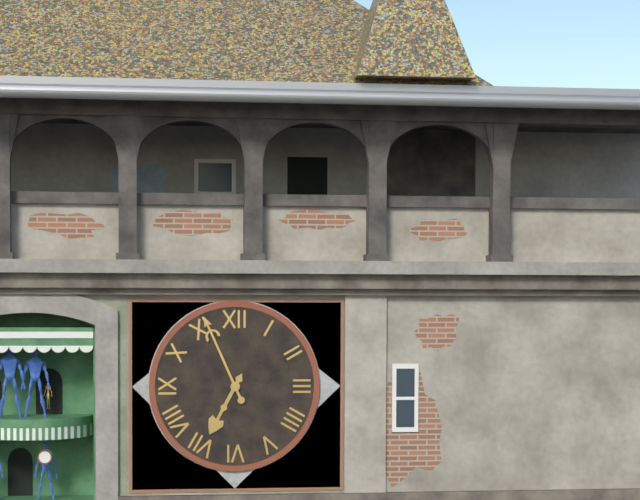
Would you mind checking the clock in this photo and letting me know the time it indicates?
6:56
